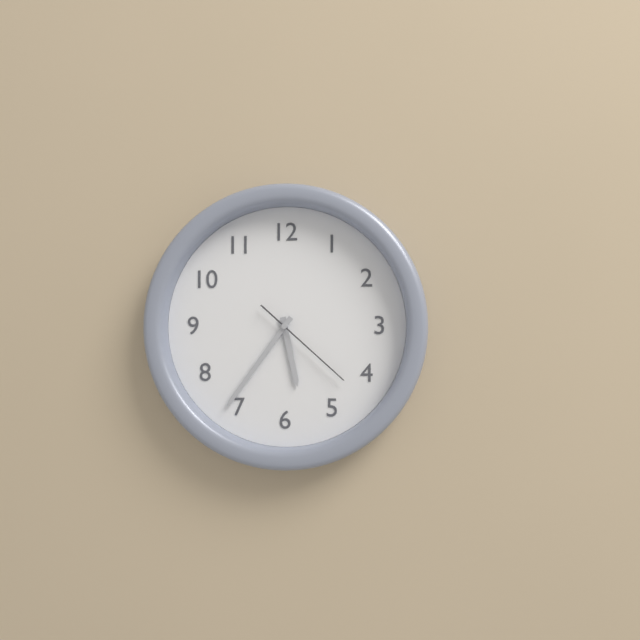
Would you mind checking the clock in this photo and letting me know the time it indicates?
5:36:22
